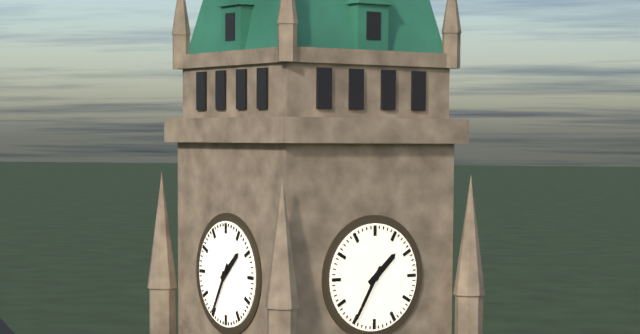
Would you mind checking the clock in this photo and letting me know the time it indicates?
1:35
